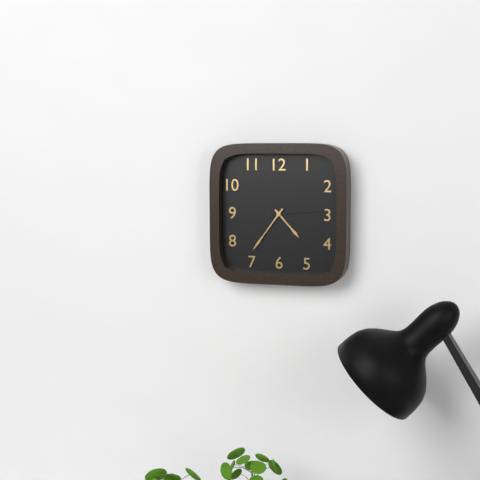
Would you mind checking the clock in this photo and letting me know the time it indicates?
4:36:14
